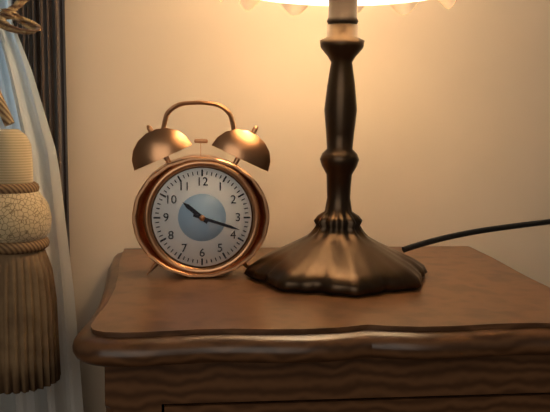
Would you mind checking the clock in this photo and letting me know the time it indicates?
10:18
